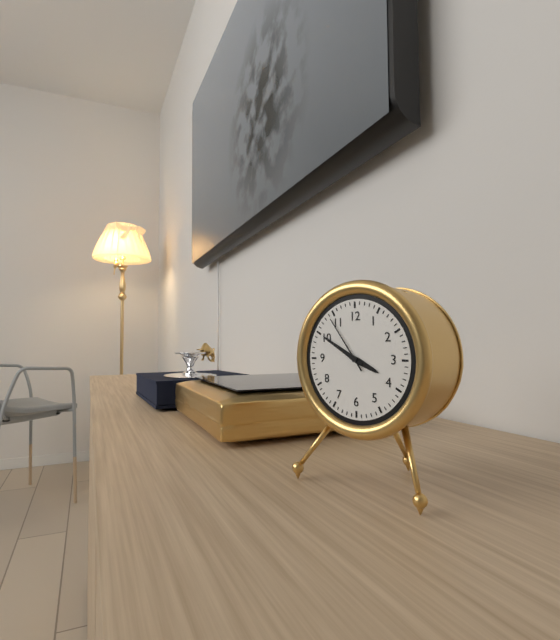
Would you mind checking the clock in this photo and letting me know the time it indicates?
3:50:54
